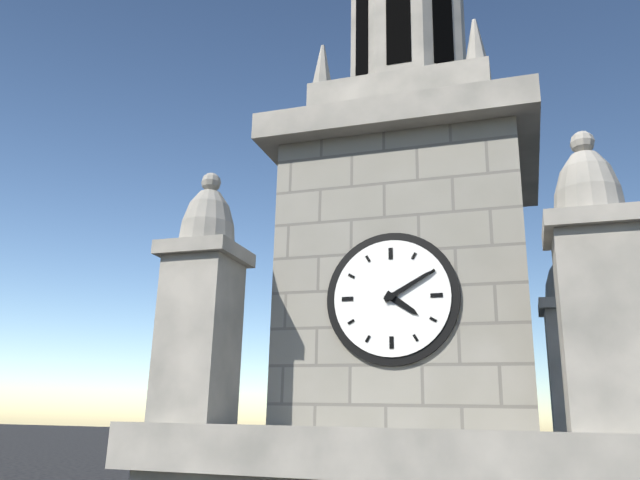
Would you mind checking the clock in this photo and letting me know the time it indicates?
4:10
